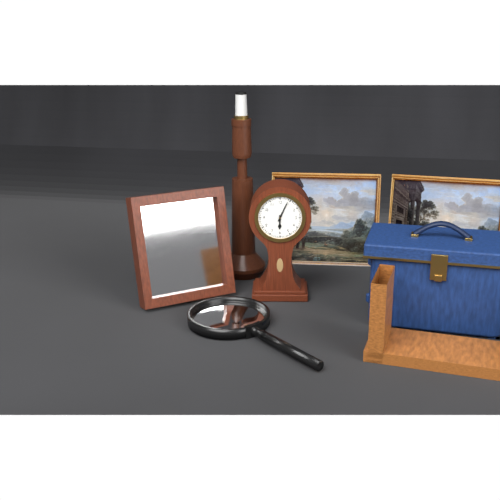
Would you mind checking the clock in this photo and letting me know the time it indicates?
6:04
